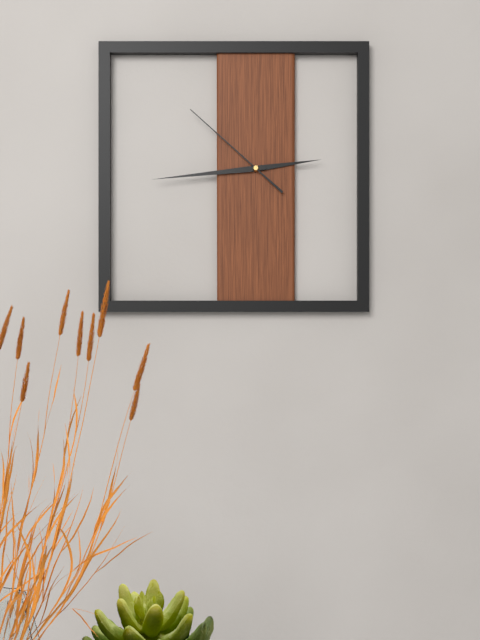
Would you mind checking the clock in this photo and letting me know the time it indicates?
2:44:52
